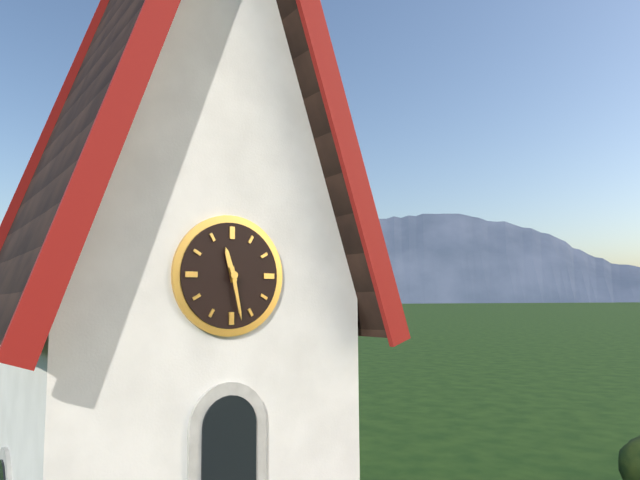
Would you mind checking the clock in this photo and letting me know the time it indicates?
11:28
